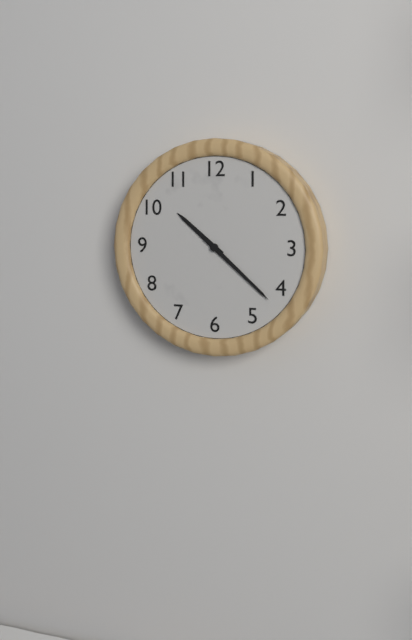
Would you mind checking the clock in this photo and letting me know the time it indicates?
10:22
